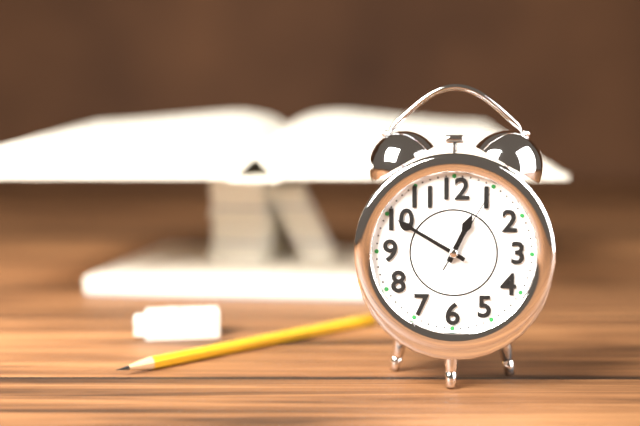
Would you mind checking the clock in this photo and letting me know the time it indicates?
12:50:05
